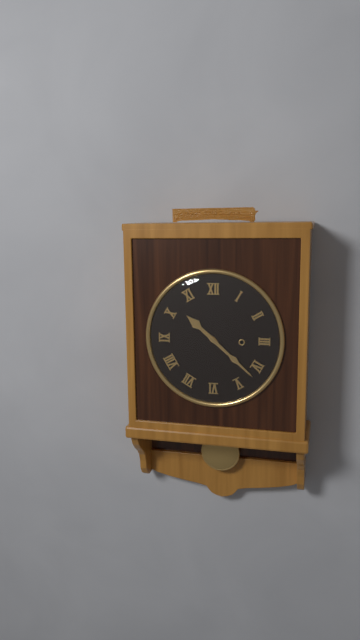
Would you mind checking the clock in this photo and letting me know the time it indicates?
10:22
